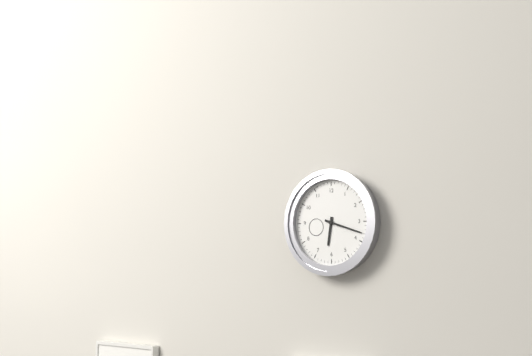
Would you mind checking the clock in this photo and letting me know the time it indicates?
6:18
